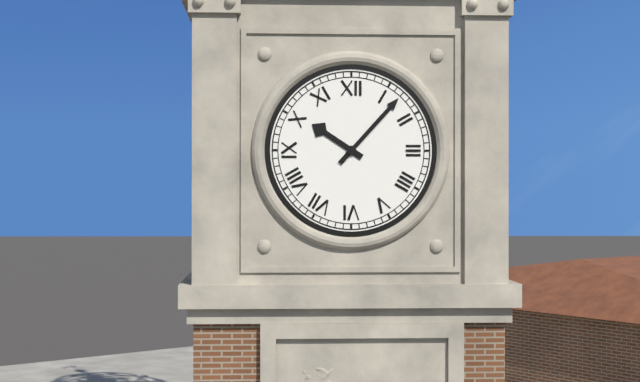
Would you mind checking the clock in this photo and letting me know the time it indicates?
10:07
